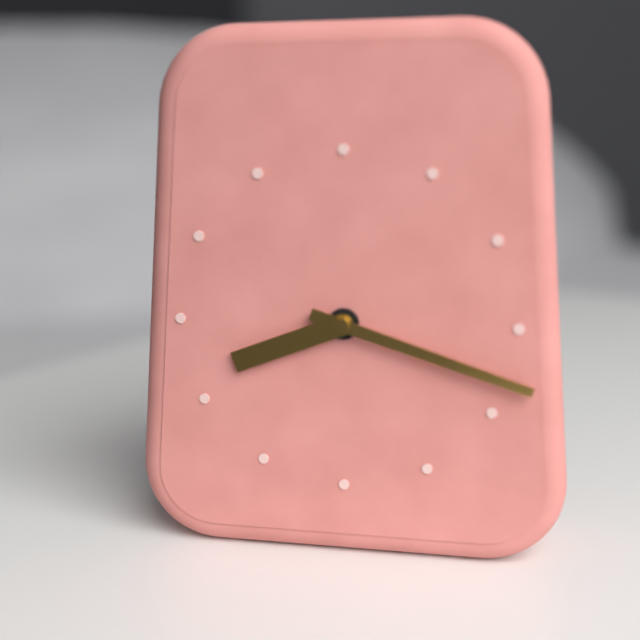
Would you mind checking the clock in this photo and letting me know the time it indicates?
8:18
